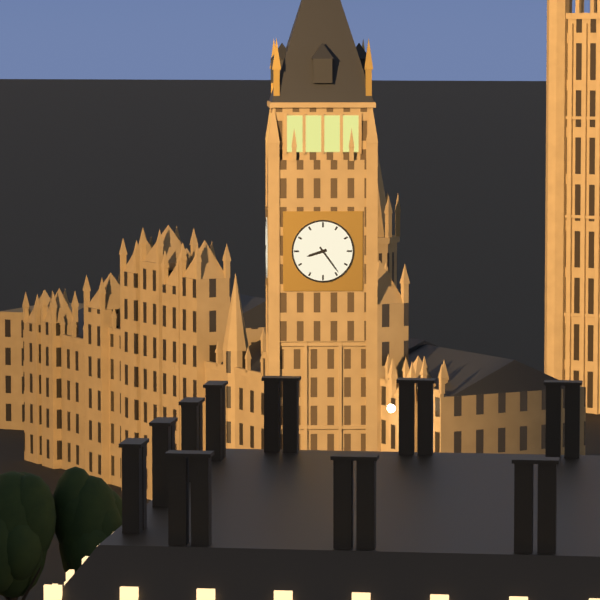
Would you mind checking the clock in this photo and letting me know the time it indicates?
8:24
